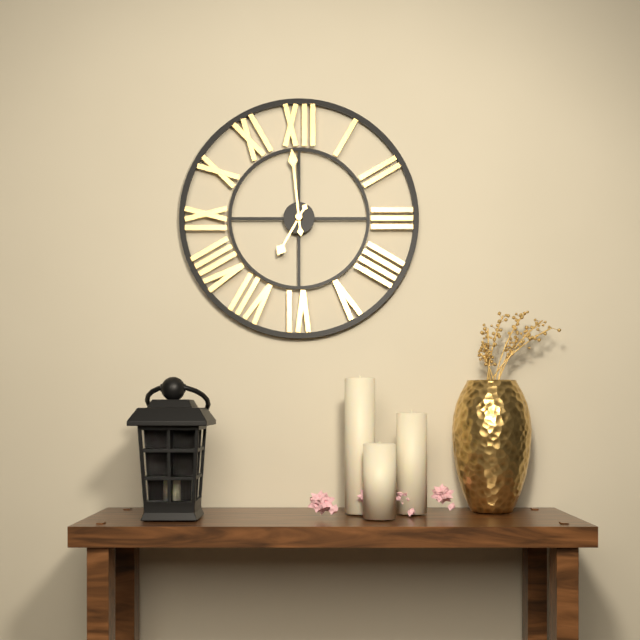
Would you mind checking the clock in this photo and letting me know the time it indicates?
6:59
